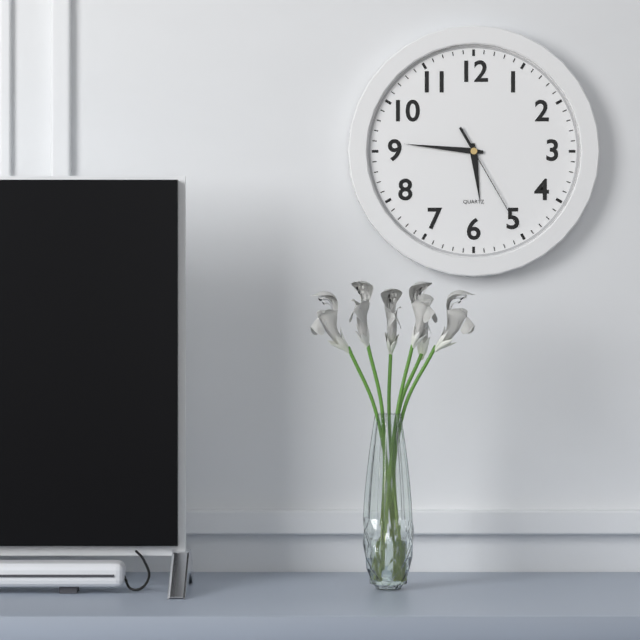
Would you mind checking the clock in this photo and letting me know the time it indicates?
5:46:25
